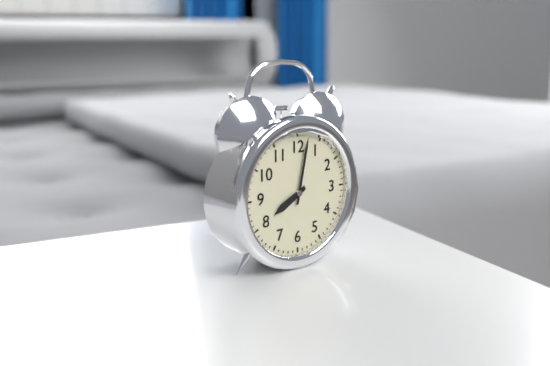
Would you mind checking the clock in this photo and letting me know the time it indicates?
8:02
